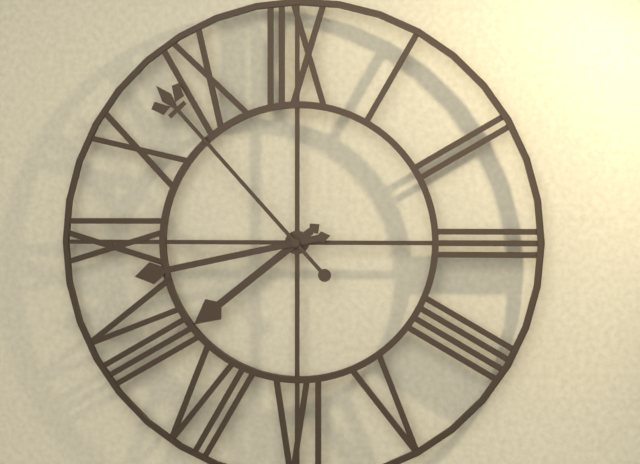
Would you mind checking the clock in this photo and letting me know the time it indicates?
7:43:53
